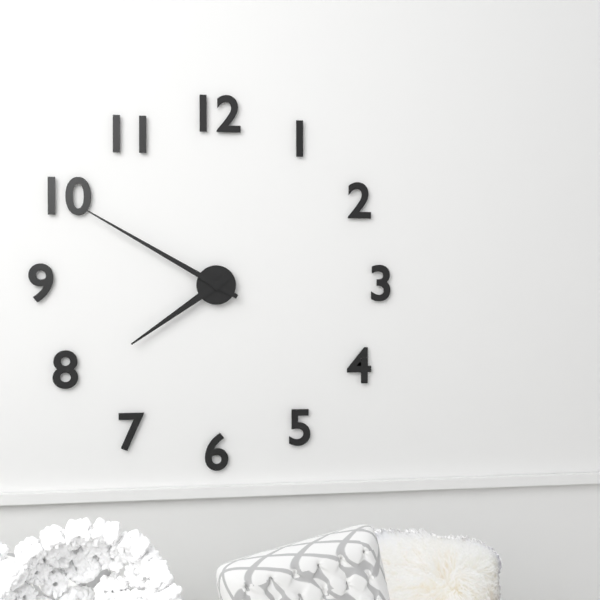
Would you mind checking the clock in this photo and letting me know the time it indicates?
7:50
